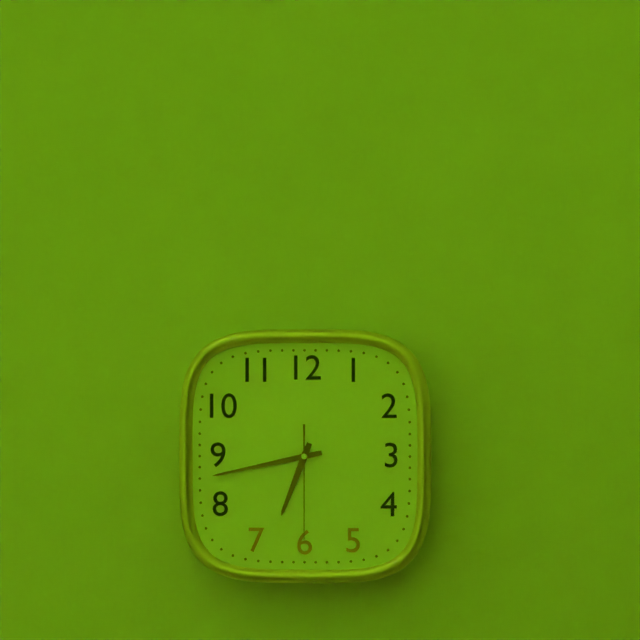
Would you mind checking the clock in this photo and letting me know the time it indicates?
6:43:30
